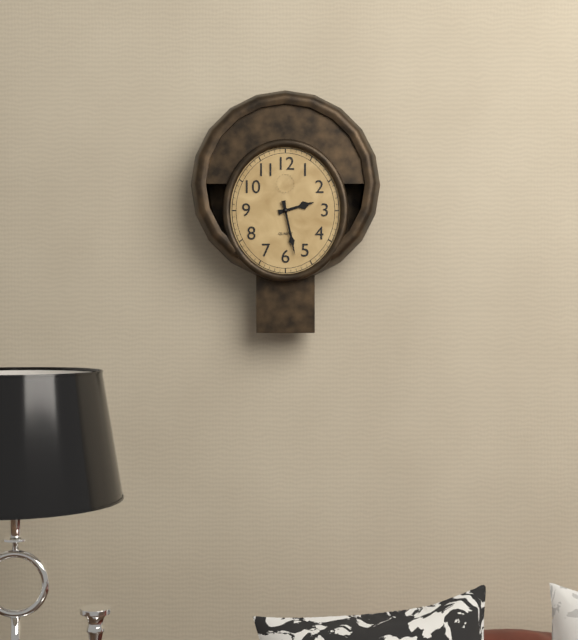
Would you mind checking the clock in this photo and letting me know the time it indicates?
2:28
